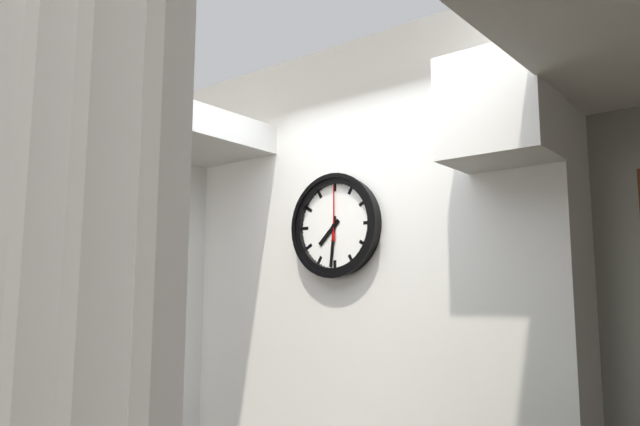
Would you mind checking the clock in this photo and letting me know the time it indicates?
7:31:00
